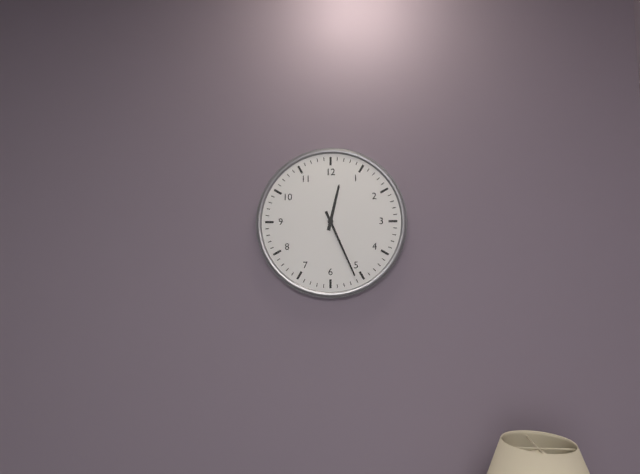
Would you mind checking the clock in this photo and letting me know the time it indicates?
12:26
